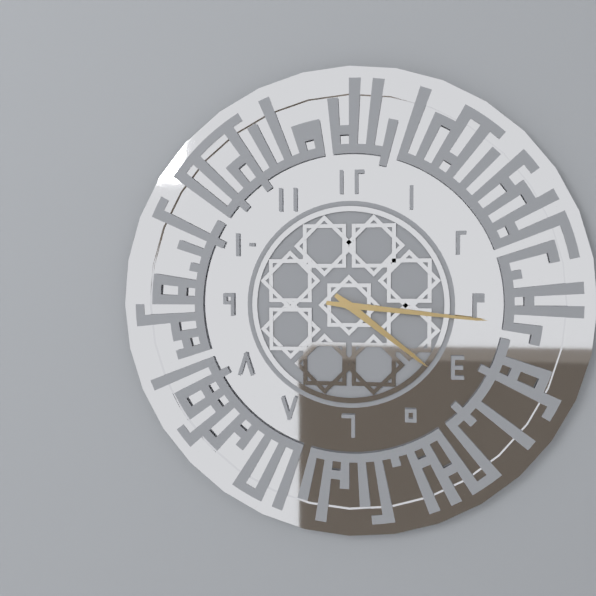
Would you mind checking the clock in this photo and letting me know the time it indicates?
4:16
